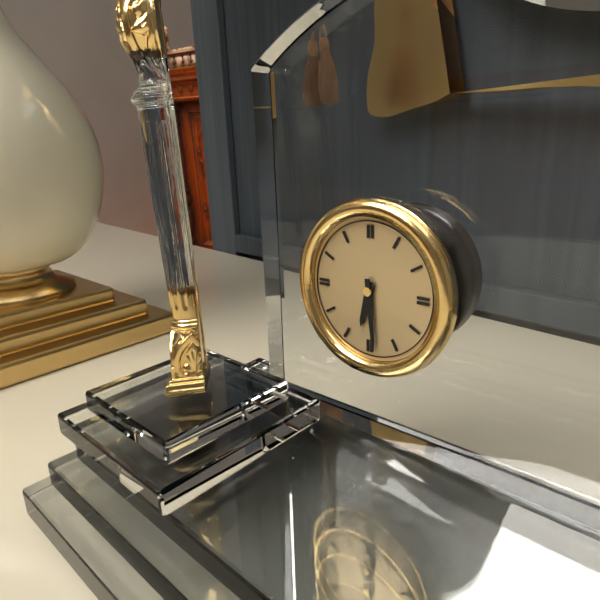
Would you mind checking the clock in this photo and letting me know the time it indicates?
6:29
